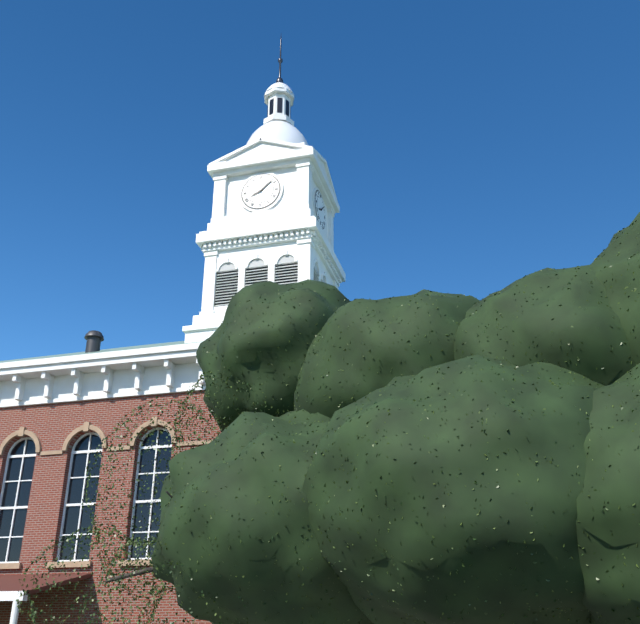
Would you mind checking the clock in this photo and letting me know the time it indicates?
8:08
